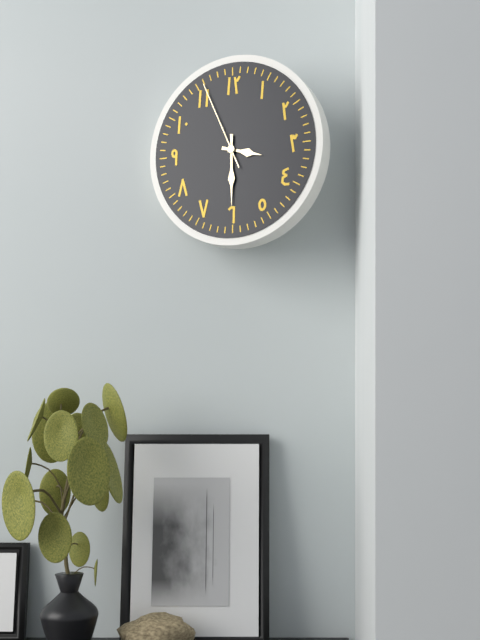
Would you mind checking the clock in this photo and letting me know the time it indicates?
3:30:56
